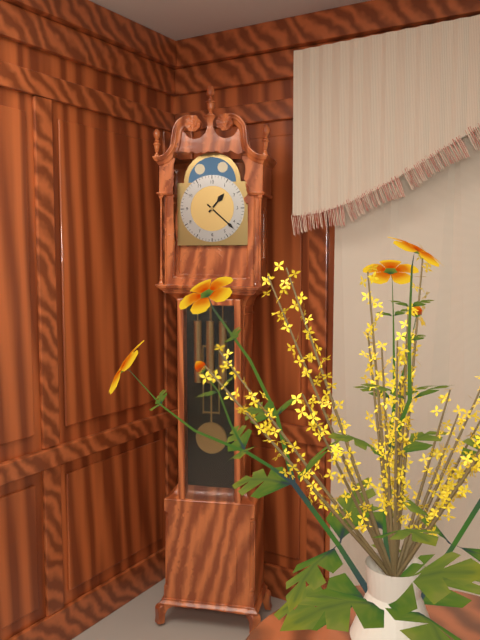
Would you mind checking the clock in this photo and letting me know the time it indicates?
1:22
